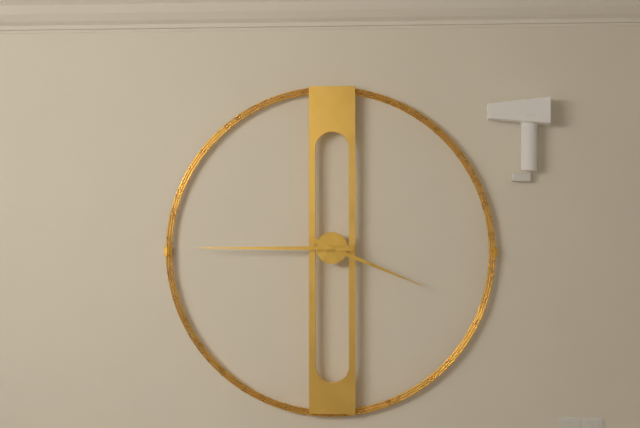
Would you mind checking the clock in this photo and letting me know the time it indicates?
3:45
